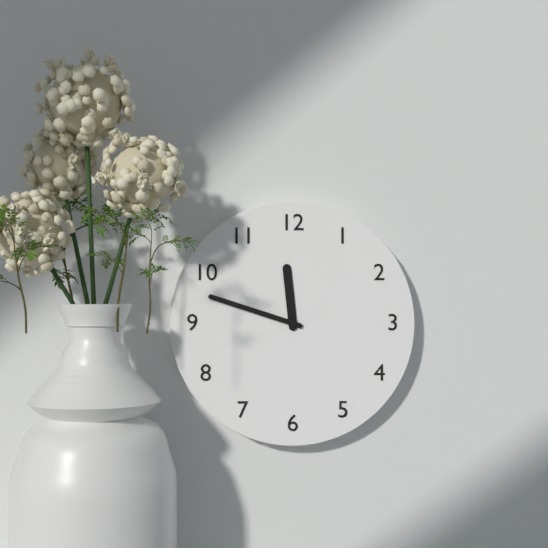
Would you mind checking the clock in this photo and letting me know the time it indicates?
11:48
